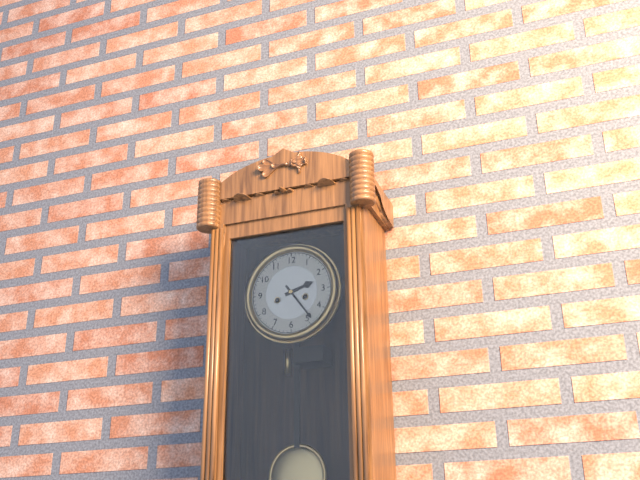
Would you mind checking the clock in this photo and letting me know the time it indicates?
2:24
